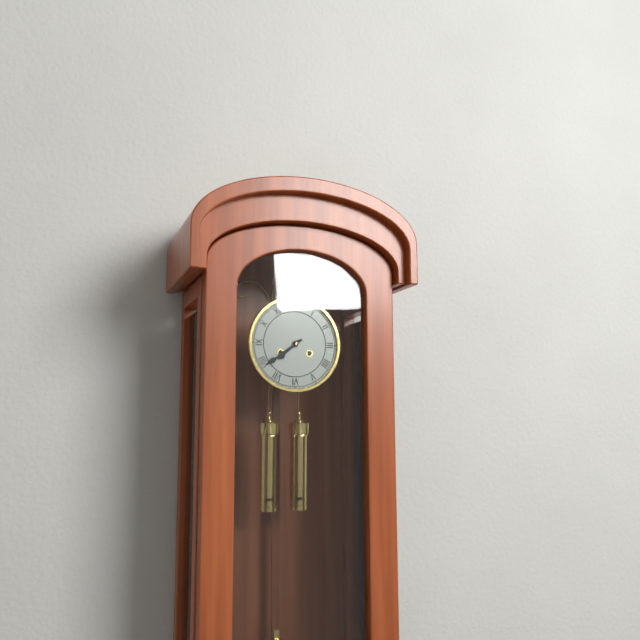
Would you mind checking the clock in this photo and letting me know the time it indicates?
7:39
